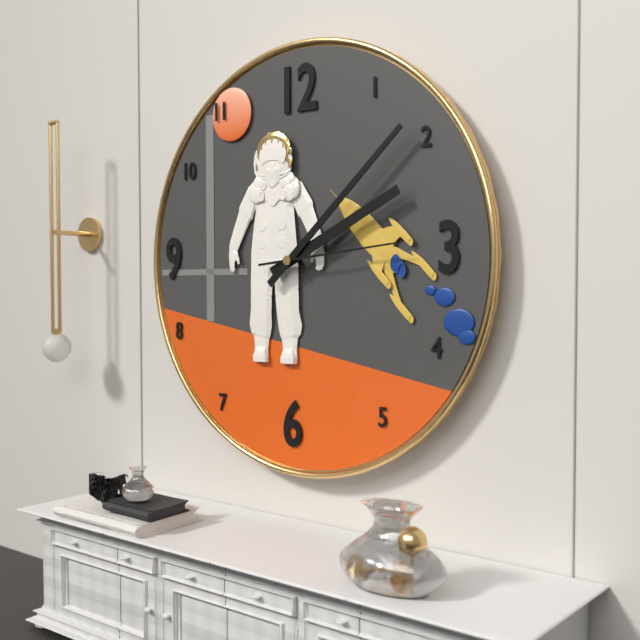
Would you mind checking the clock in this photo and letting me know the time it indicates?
2:08:14
